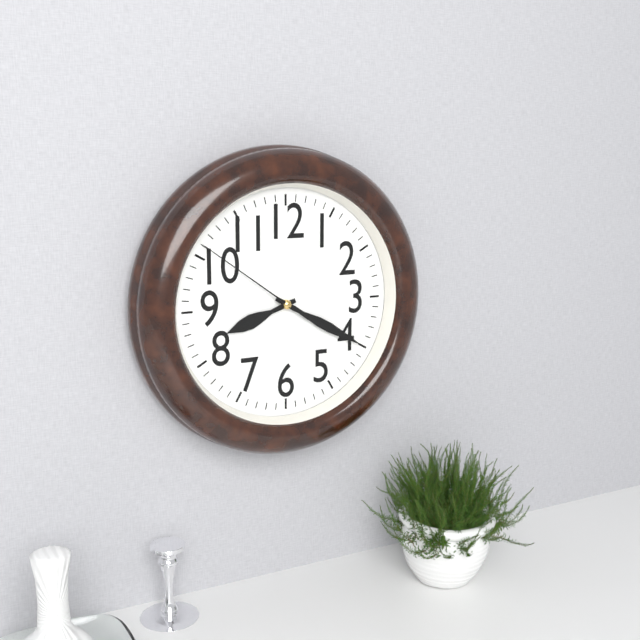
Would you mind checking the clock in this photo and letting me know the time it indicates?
8:20:51
